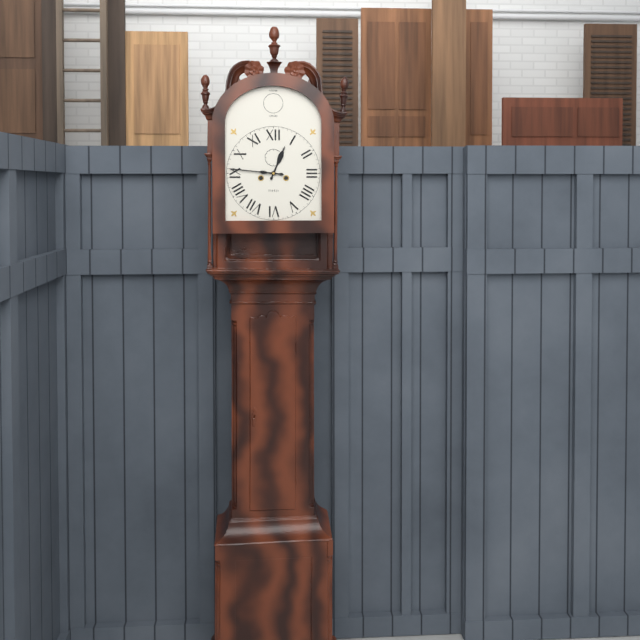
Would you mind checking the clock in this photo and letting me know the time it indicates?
12:46
